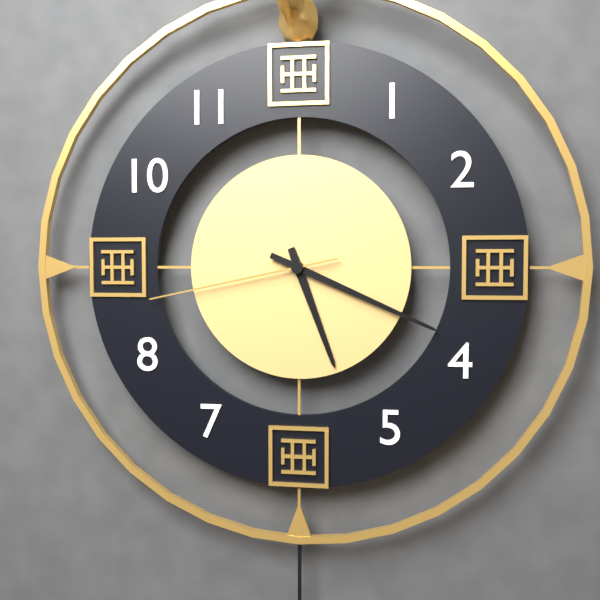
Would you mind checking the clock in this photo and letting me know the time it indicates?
5:19:43
